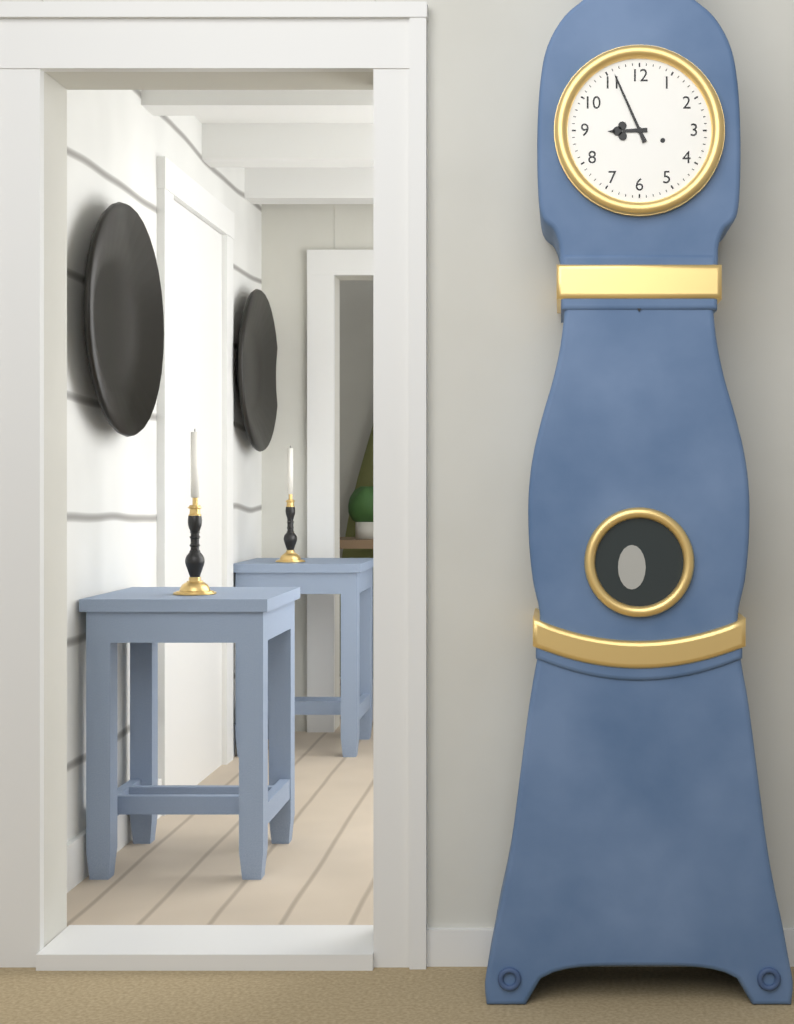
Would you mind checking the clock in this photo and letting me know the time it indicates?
8:56
